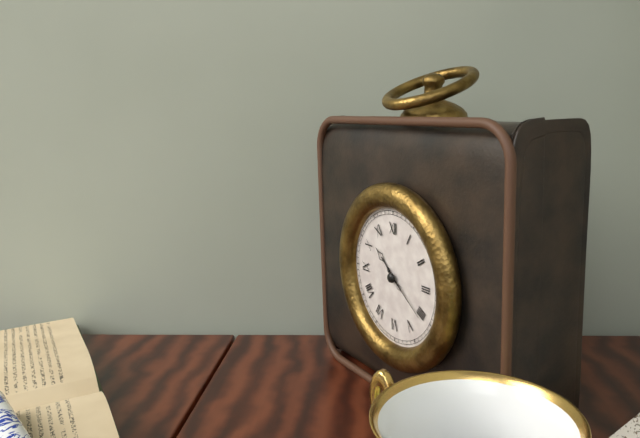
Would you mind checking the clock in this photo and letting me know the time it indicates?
10:21
